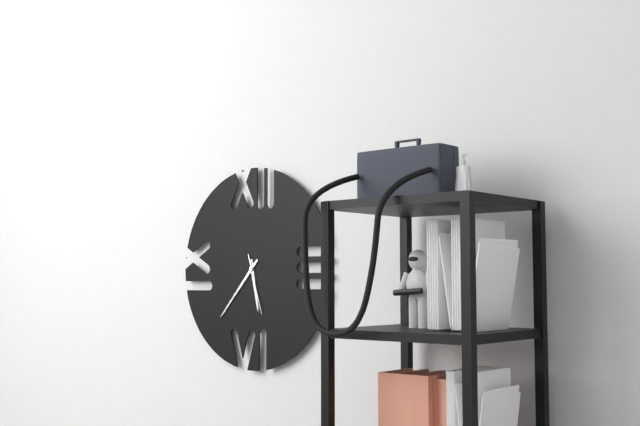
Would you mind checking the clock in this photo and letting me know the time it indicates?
5:37:27
